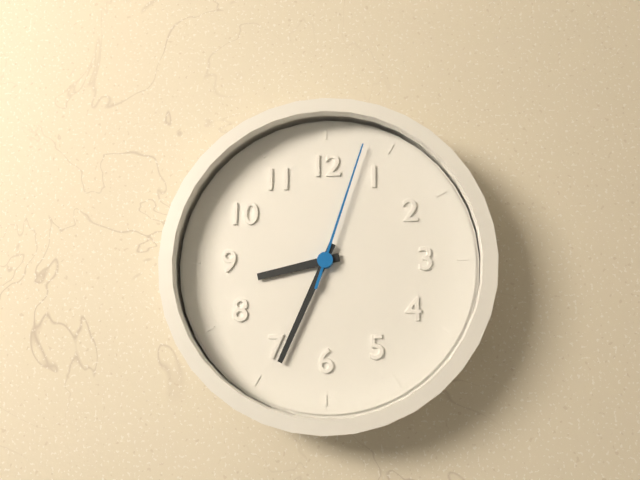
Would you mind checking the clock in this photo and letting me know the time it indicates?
8:34:03
